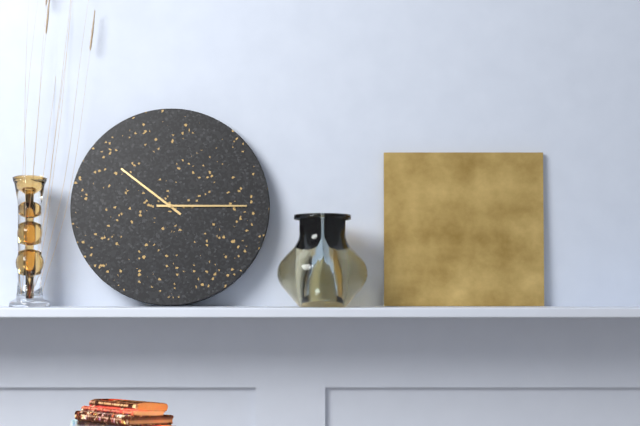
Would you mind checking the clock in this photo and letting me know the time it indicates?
10:15
